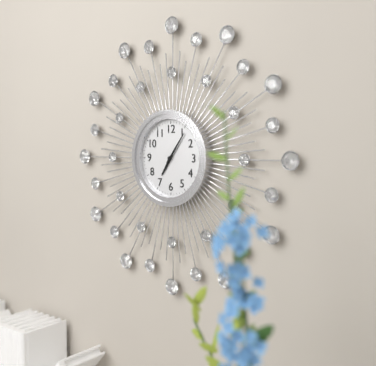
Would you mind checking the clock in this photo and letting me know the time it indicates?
7:06
